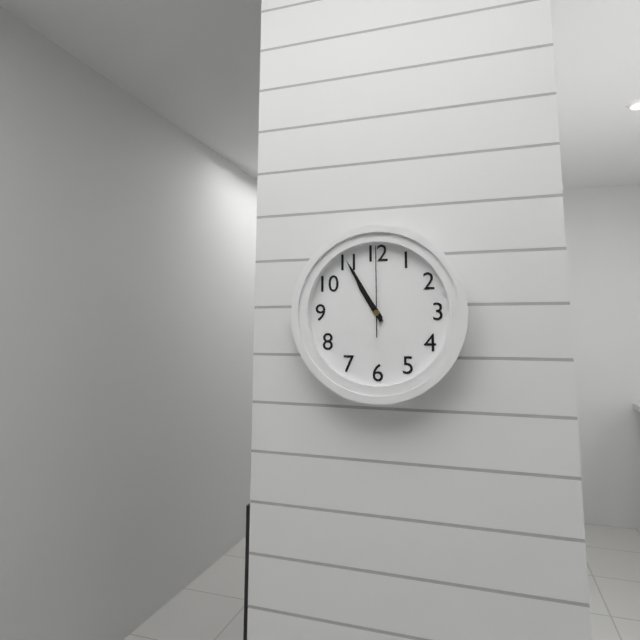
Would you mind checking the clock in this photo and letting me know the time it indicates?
10:55:00
